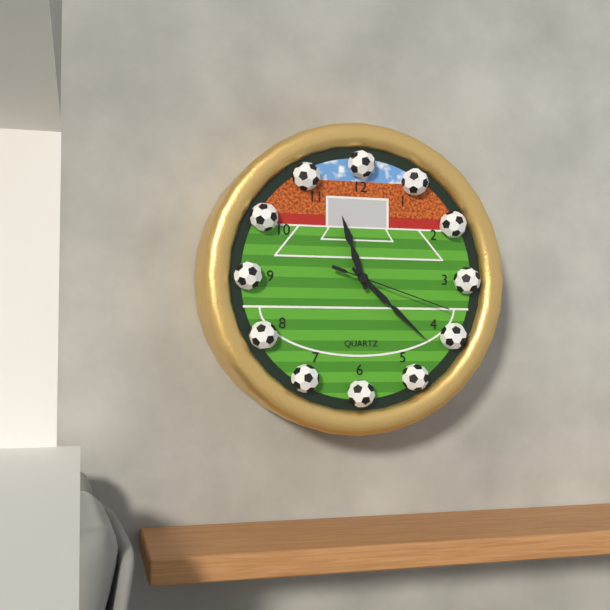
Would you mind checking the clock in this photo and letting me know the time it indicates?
11:22:18
